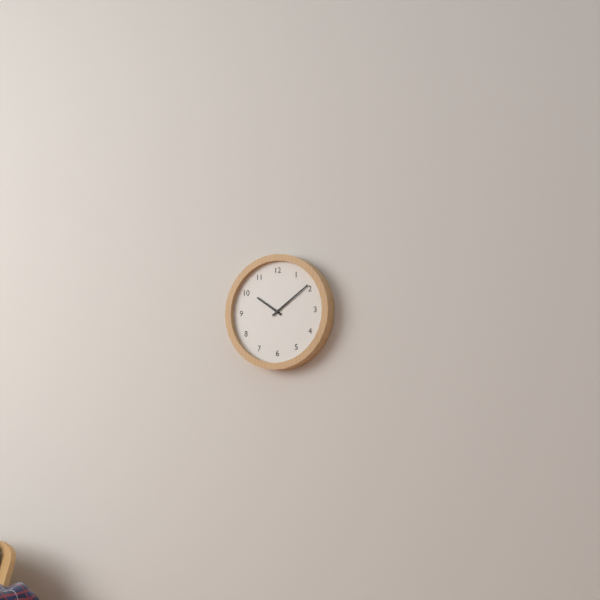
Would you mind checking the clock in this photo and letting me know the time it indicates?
10:09
